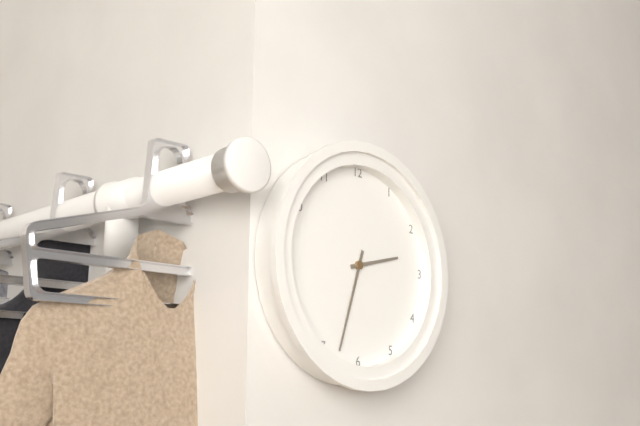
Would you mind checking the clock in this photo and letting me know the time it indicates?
2:33
